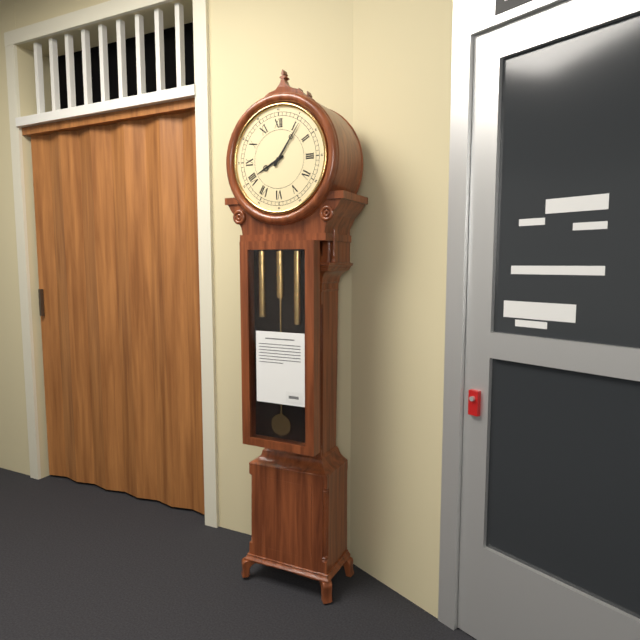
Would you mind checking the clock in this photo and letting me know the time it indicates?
8:06
